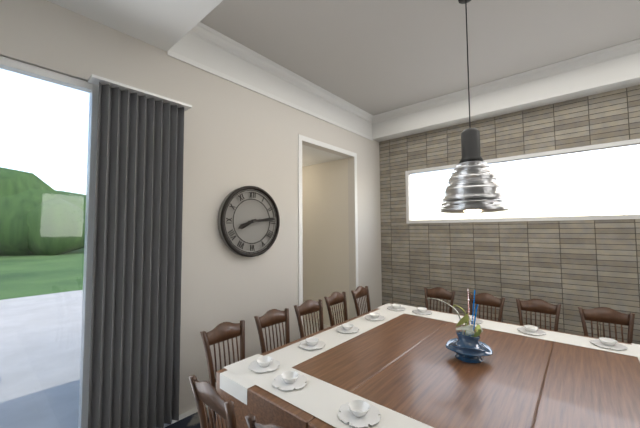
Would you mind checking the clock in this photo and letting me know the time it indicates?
8:14
